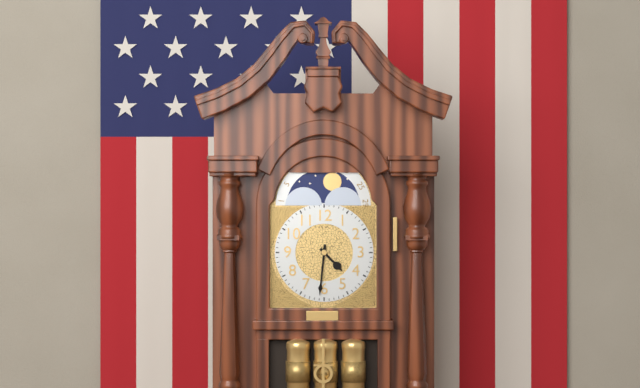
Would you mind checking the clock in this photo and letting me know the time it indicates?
4:31
